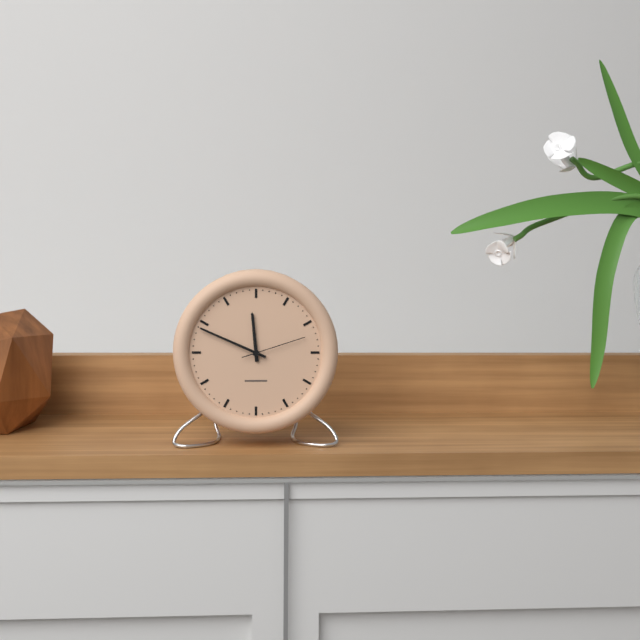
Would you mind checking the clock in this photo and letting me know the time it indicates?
11:49:12
